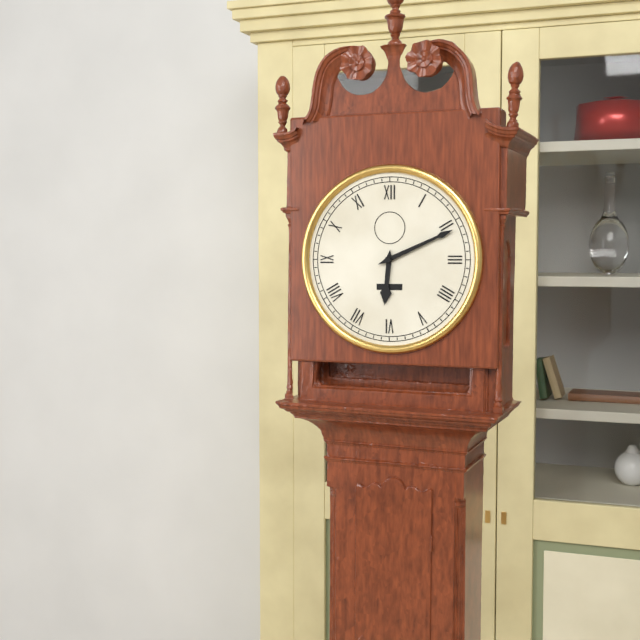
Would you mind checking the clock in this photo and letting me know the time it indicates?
6:11
